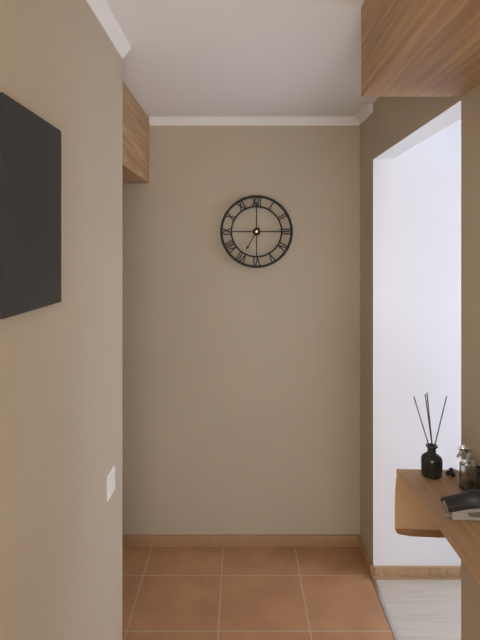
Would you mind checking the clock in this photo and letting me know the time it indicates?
7:00
